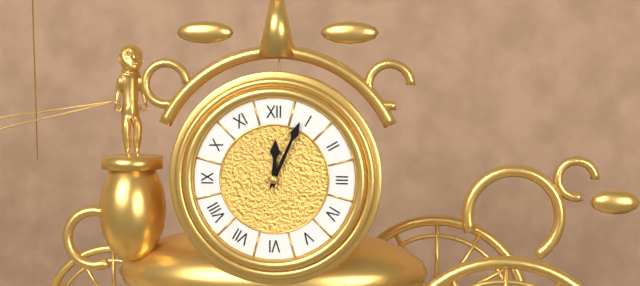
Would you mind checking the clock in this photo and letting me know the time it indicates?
12:04
